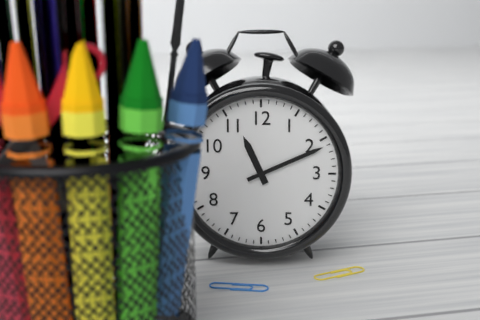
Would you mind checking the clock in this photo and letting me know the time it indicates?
11:11
